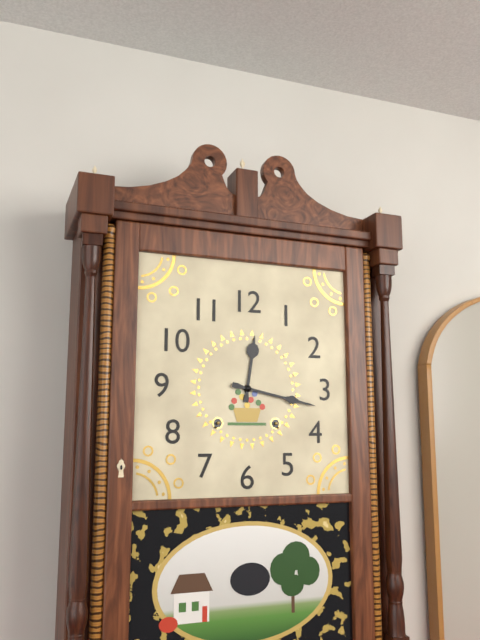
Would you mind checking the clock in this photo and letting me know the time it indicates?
12:17
